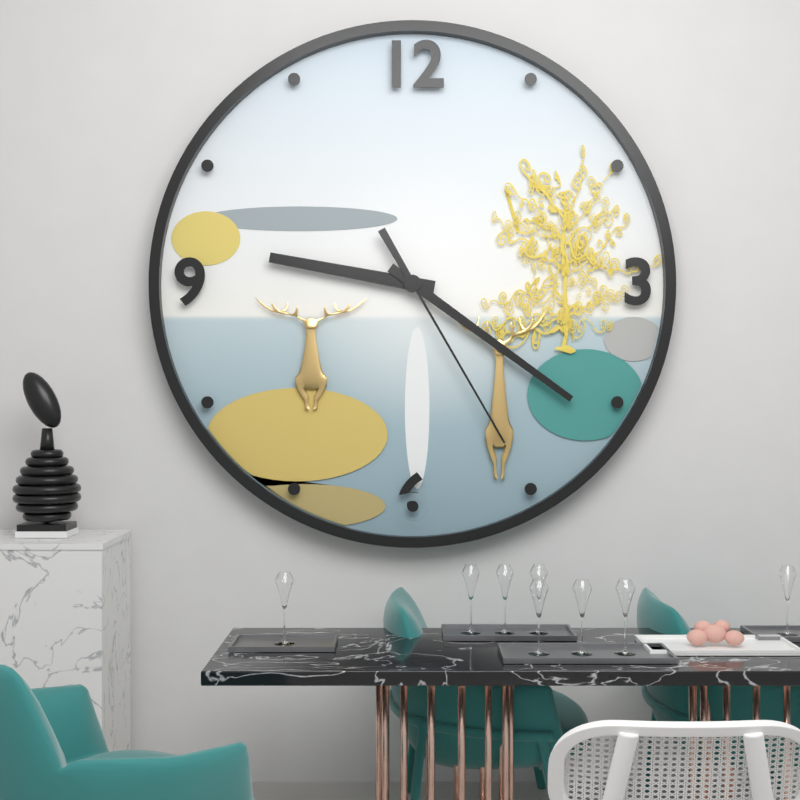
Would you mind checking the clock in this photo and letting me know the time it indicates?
9:21:25
